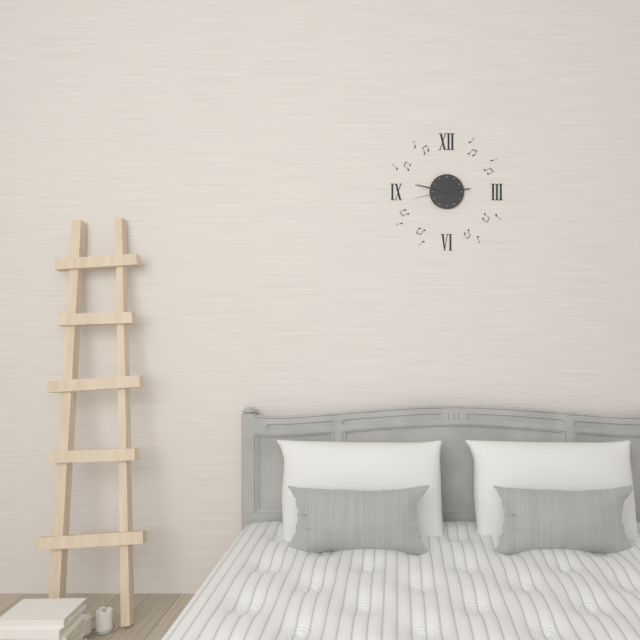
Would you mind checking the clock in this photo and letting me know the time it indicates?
2:47
